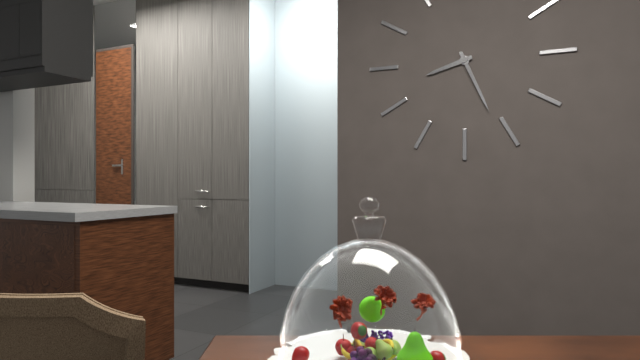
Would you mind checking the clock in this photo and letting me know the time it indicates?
8:26
